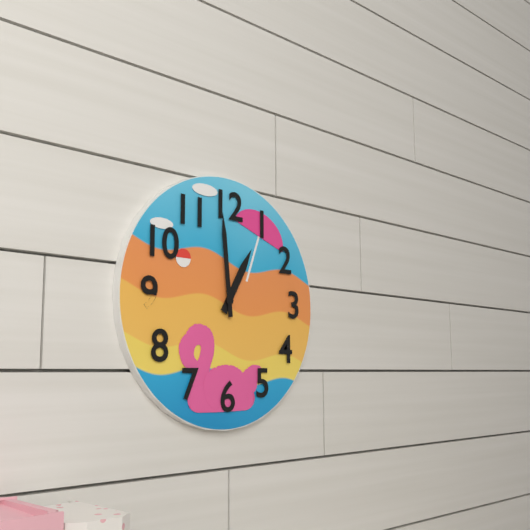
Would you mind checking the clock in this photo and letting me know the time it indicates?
12:59
